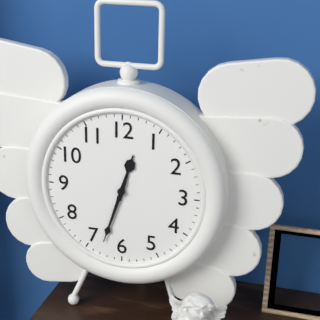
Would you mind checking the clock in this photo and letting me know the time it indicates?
12:33
